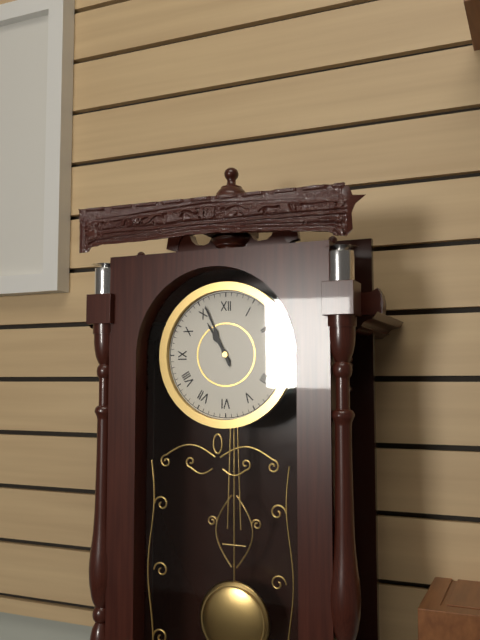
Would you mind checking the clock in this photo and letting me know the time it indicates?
10:56
